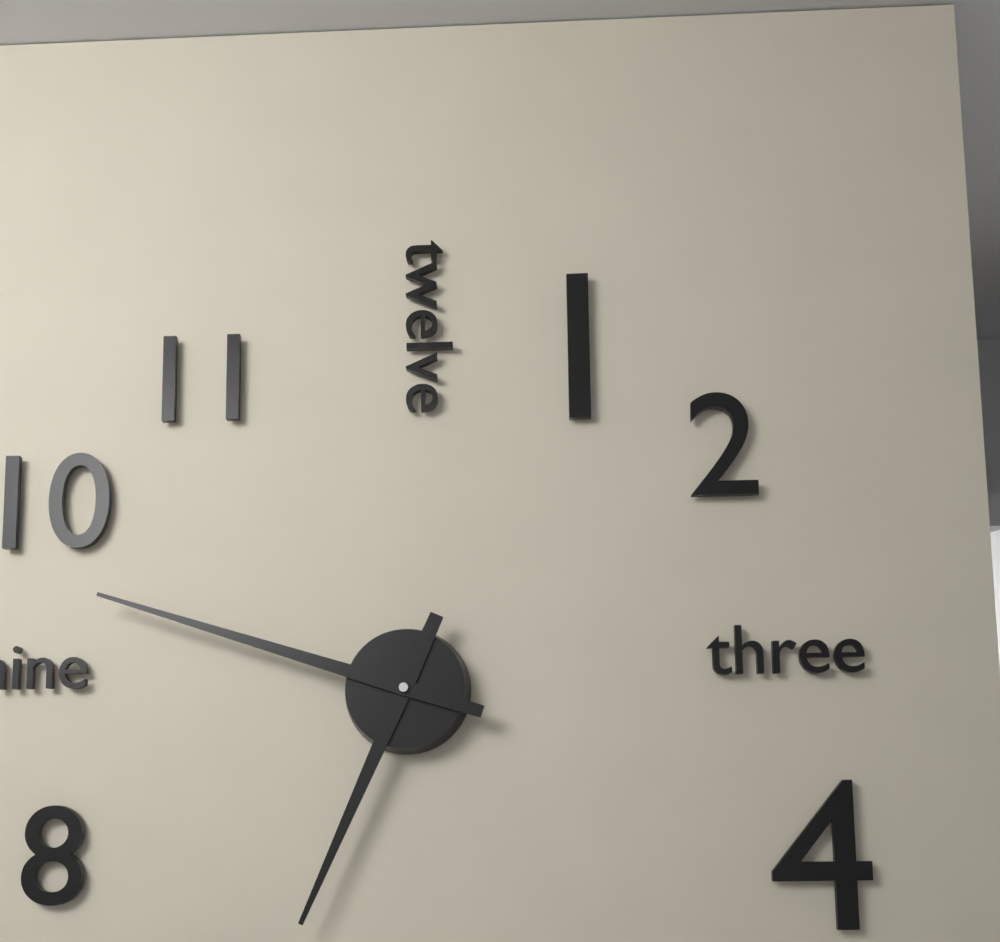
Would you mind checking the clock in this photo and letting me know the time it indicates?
6:48
